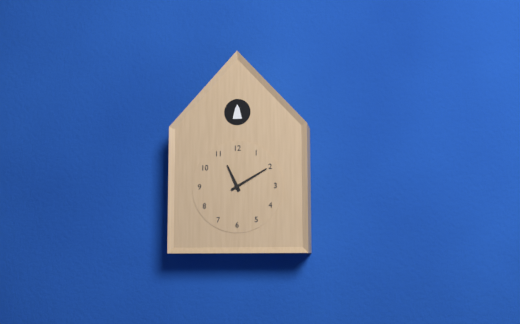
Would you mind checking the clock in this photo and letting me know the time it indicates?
11:10
